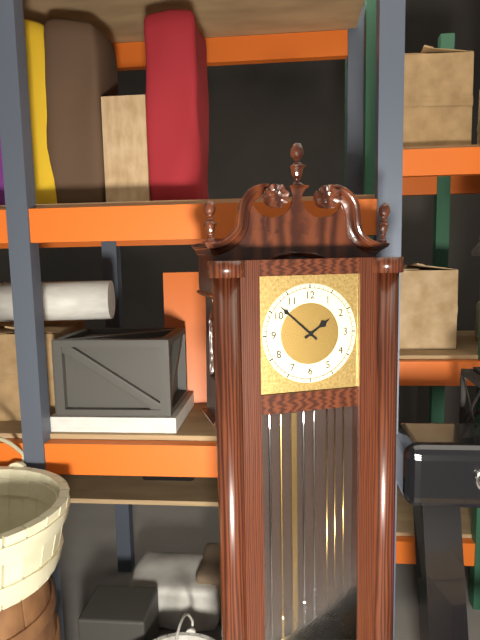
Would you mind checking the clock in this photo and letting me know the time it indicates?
1:52
